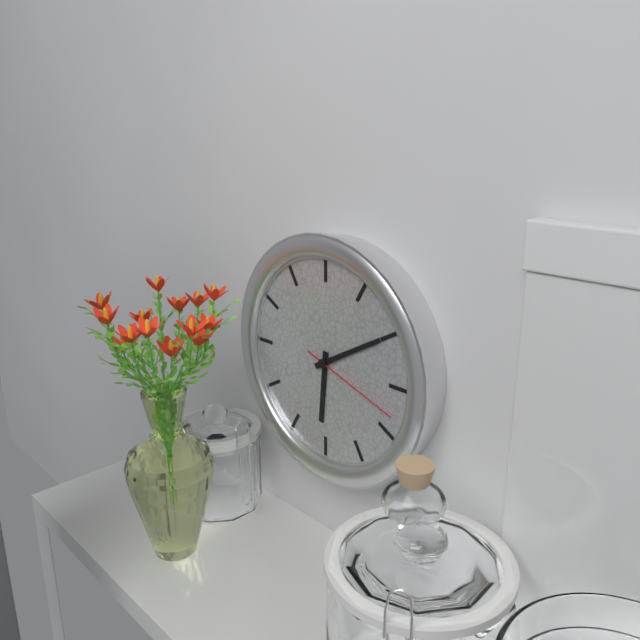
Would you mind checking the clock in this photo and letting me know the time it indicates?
6:10:18
